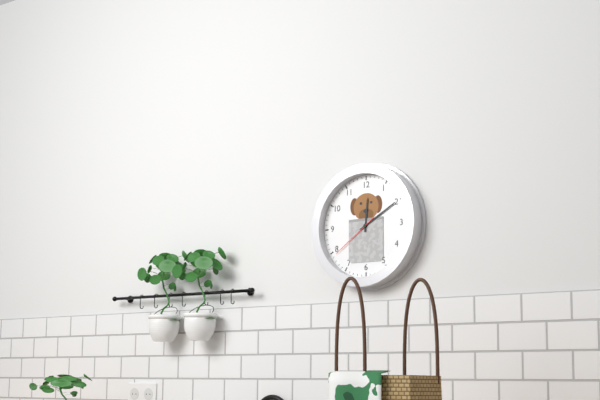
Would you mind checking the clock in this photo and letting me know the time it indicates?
12:10:39
